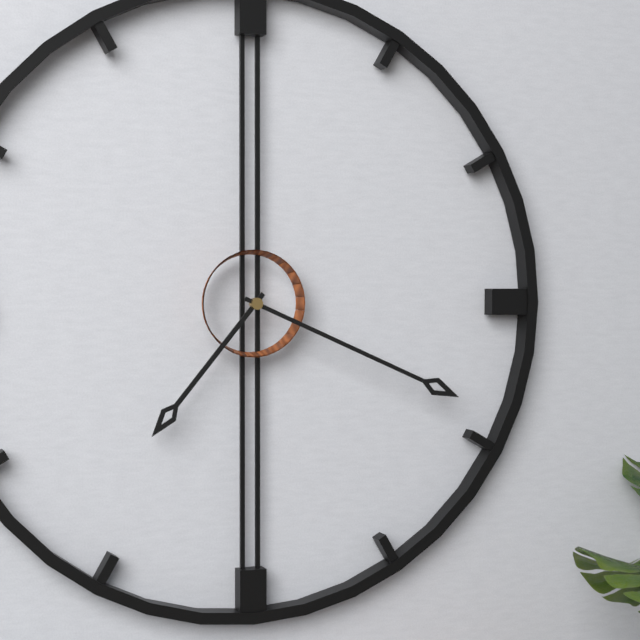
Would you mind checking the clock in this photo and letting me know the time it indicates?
7:19
